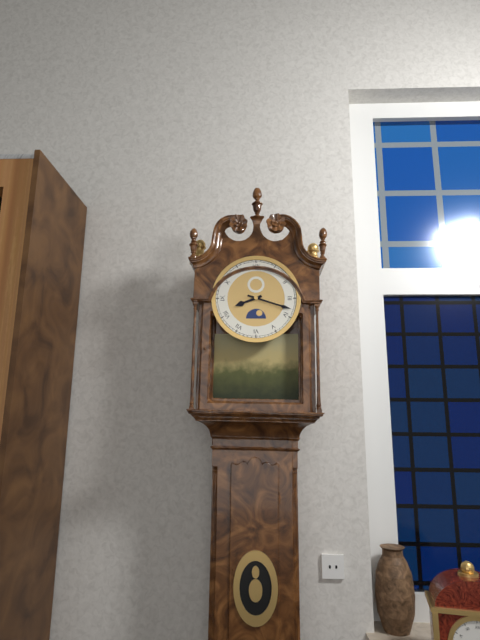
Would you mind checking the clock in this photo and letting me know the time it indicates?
8:18
